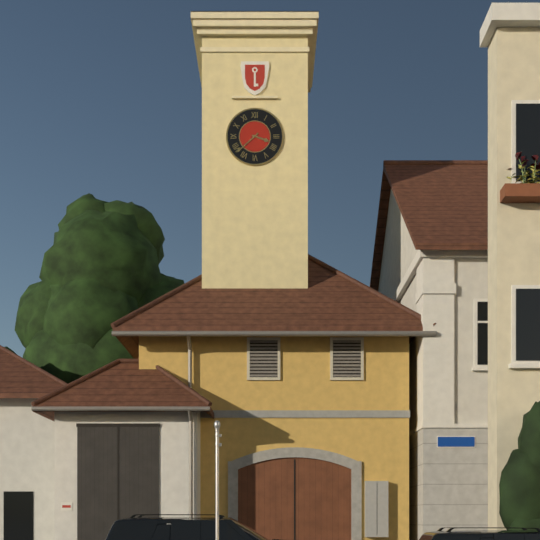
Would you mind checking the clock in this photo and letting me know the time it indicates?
3:38
